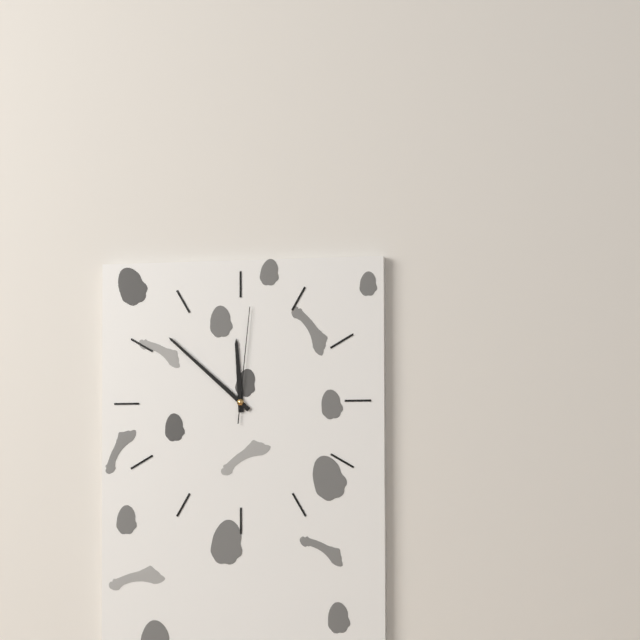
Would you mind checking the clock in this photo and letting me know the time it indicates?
11:52:01
